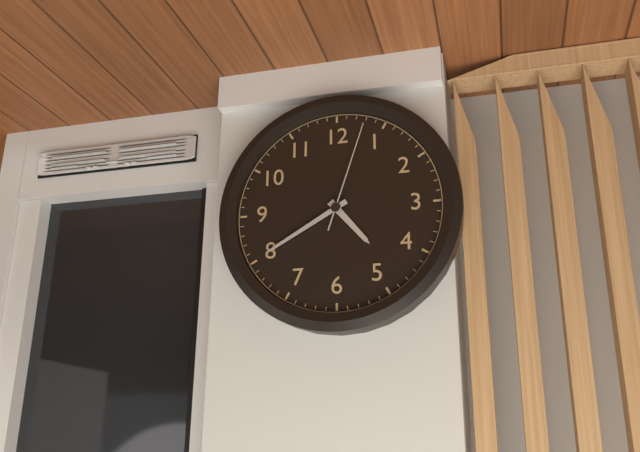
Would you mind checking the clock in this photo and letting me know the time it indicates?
4:40:03
